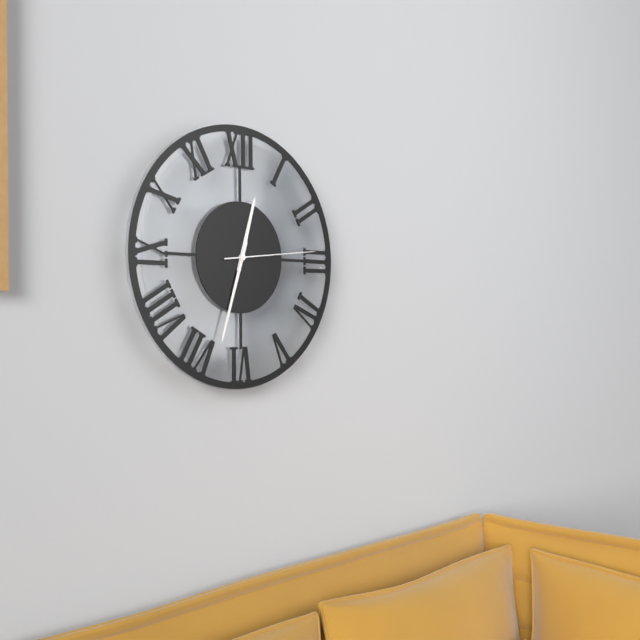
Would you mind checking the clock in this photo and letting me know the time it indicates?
12:33:14
